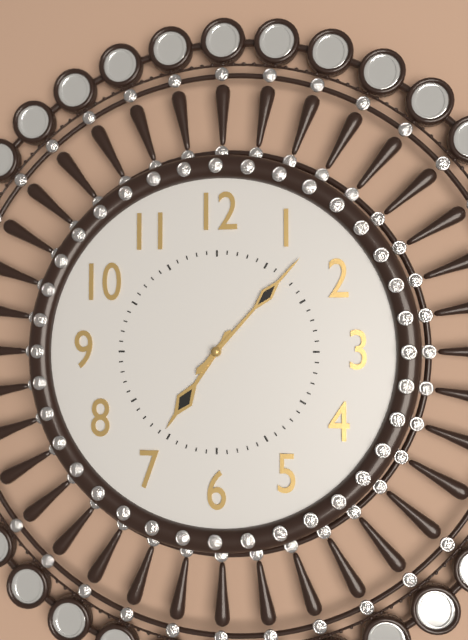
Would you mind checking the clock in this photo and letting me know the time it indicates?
7:07
